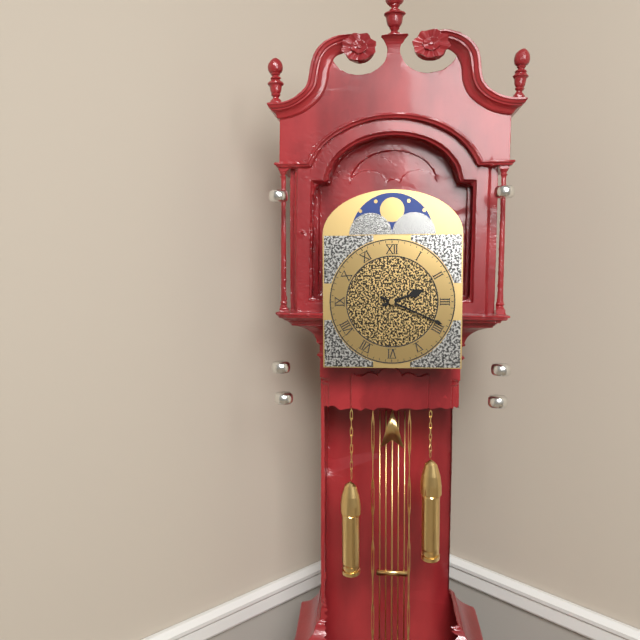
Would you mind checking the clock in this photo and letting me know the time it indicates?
2:19
